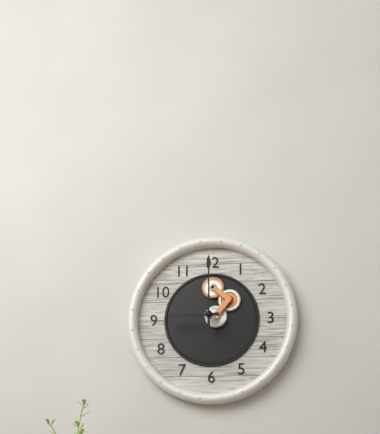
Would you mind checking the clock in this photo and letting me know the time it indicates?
9:00
